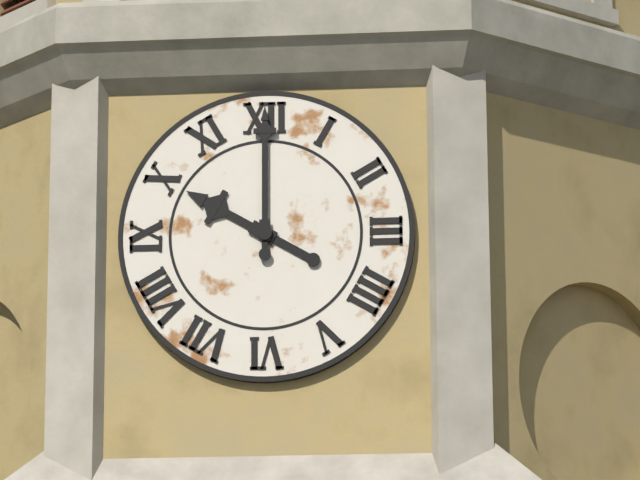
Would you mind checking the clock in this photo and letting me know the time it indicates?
10:00
